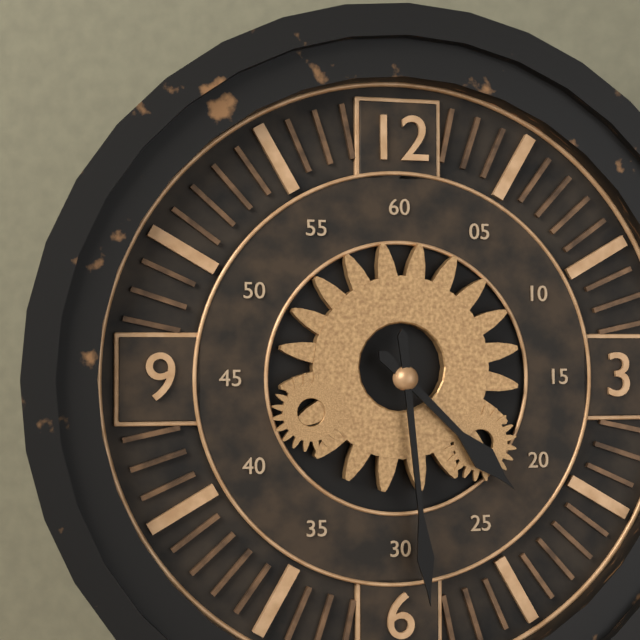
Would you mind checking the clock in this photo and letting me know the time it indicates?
4:29
